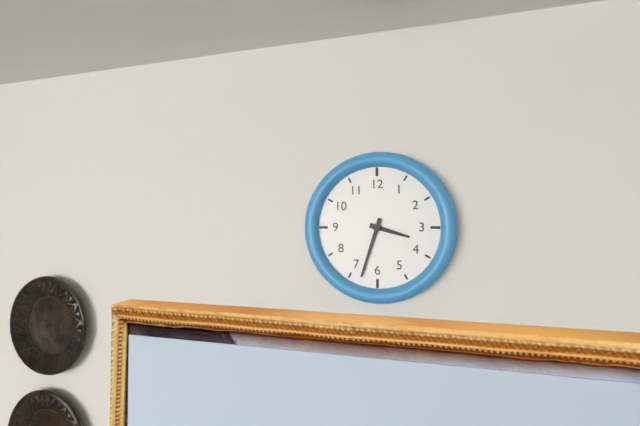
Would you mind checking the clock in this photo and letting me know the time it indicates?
3:33
